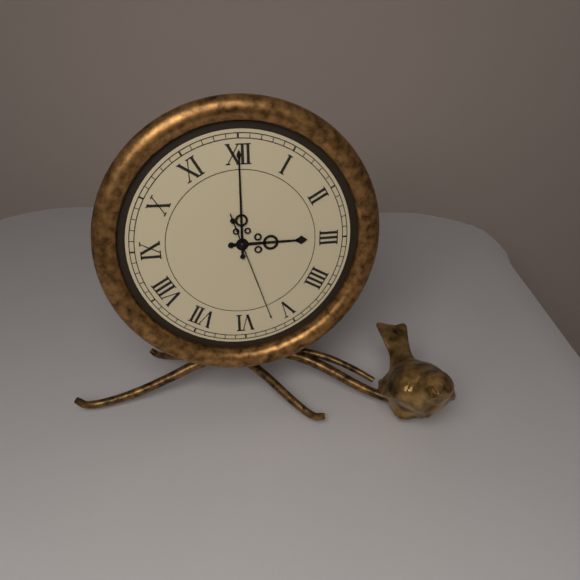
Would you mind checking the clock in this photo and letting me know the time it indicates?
3:00:27
